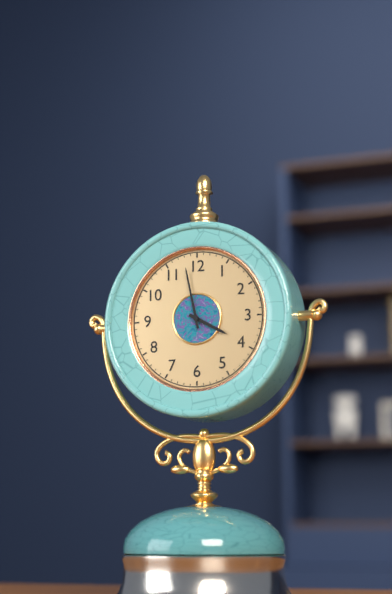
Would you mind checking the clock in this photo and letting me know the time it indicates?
3:58
